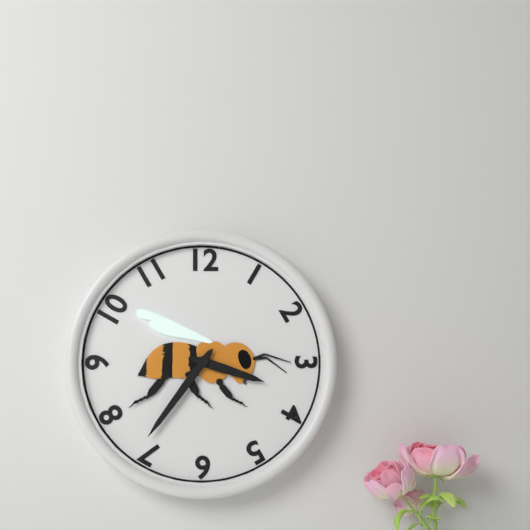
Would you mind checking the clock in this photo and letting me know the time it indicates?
3:36
